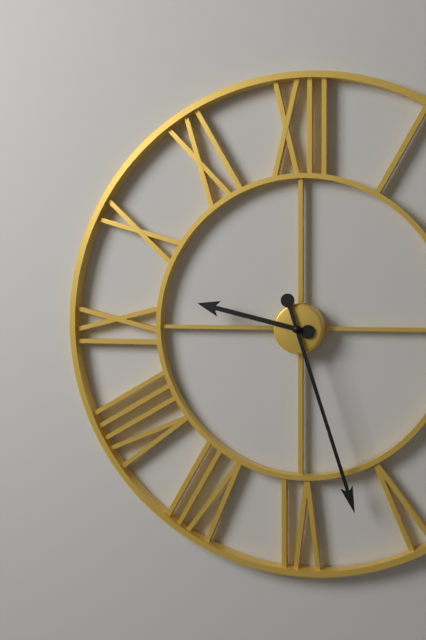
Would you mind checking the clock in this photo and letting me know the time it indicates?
9:27
